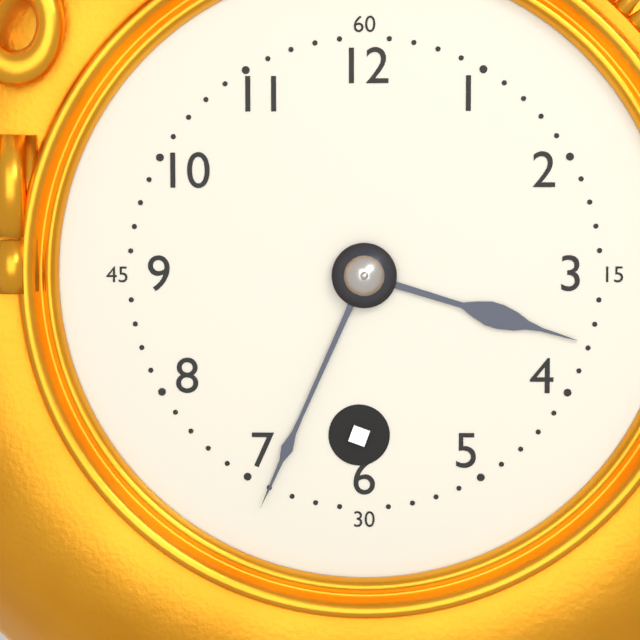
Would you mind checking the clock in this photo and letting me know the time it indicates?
3:34
